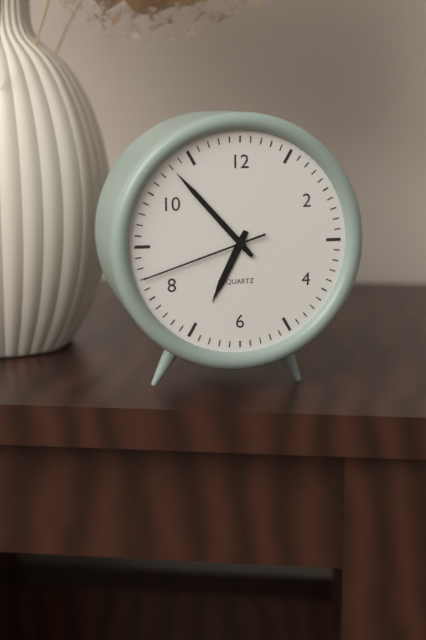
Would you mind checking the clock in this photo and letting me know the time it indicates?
6:53:42
